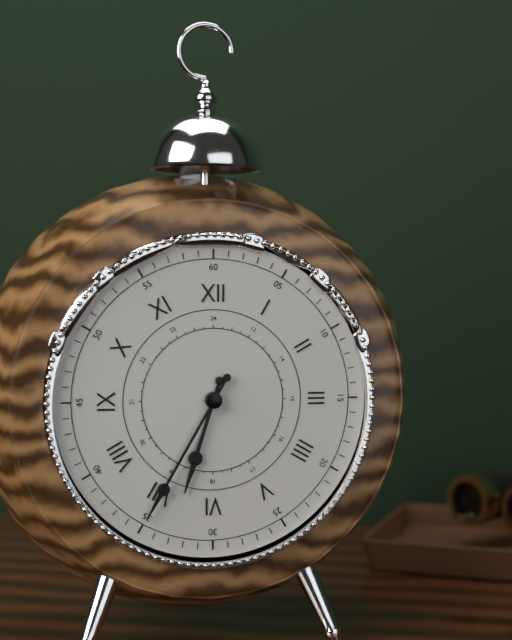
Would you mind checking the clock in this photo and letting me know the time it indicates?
6:35
